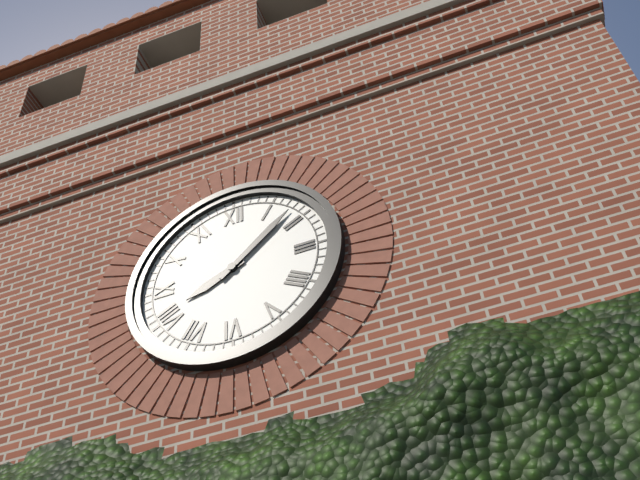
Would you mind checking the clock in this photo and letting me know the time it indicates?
8:08
